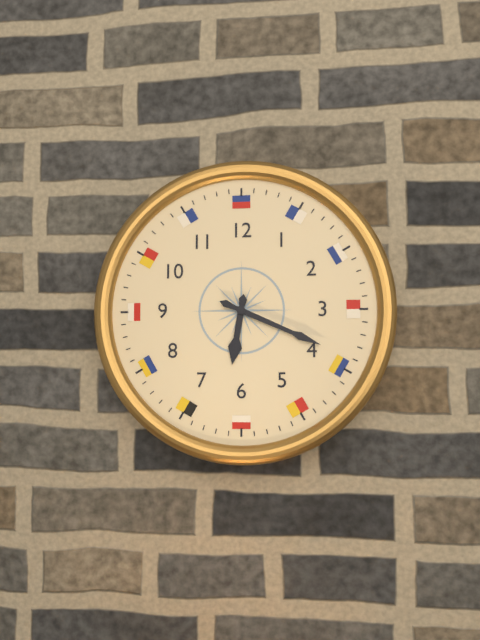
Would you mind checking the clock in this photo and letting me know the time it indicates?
6:19
